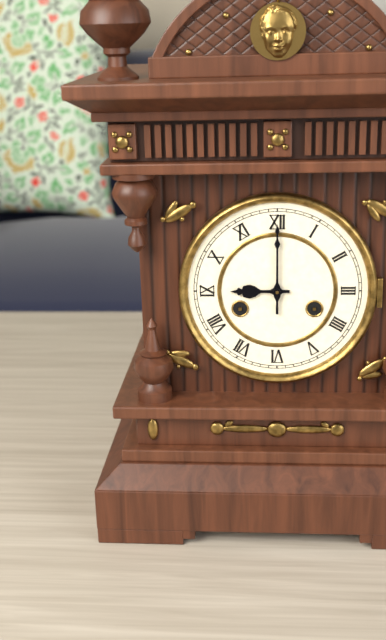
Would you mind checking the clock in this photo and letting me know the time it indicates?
9:00
